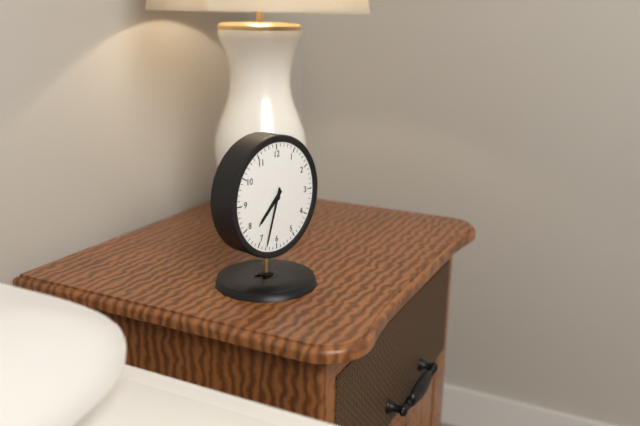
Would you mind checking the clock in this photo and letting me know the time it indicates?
7:33
